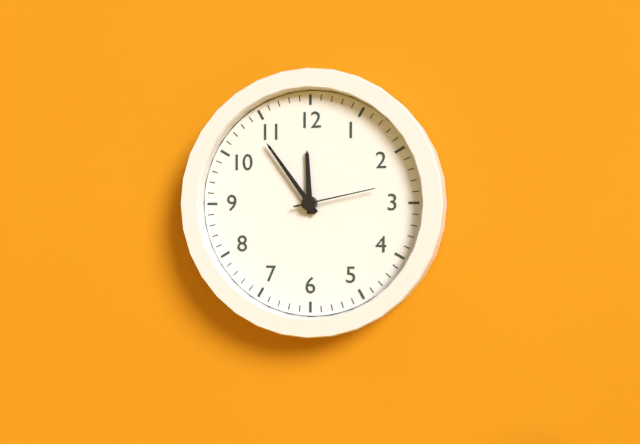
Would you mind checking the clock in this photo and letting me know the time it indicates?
11:54:13
